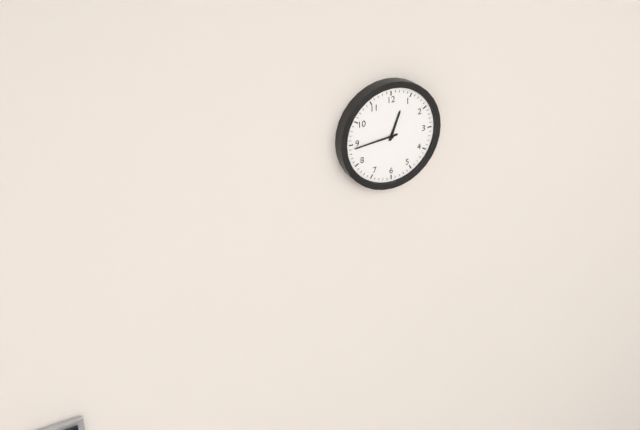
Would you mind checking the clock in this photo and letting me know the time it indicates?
12:44
